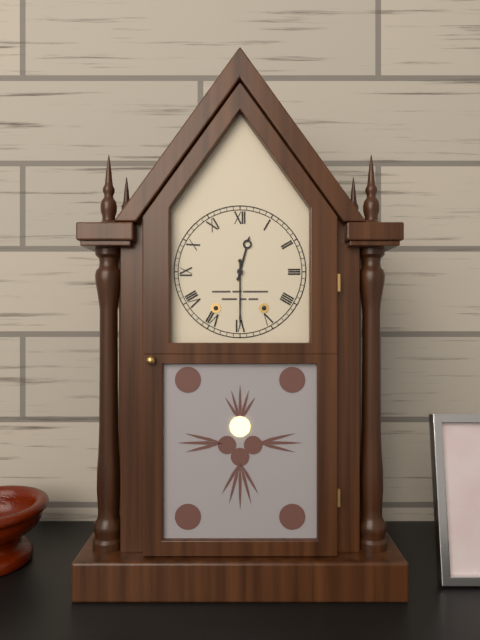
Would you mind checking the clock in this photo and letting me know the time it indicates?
12:30
